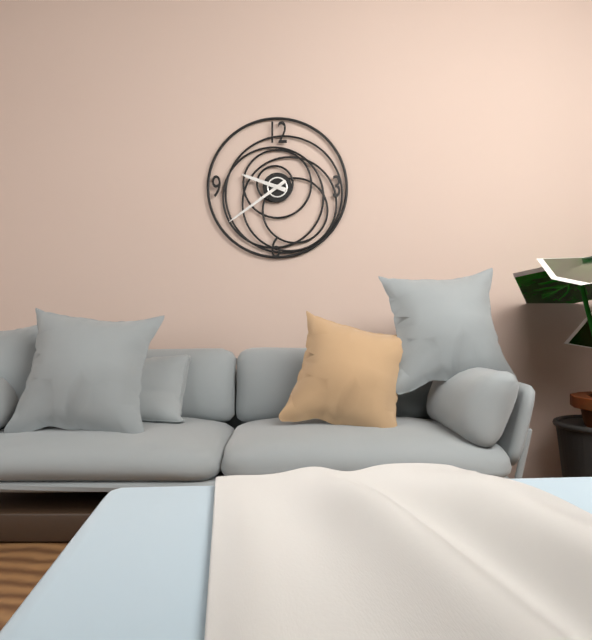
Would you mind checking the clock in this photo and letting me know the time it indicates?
9:39
